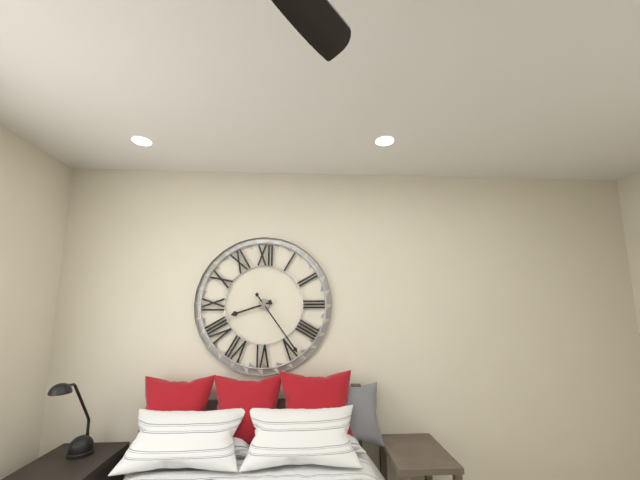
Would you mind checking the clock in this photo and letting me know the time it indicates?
8:24
